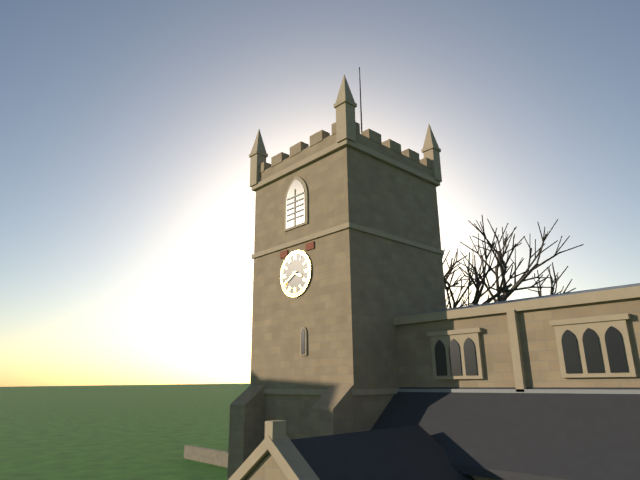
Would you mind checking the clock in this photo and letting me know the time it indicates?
3:40
